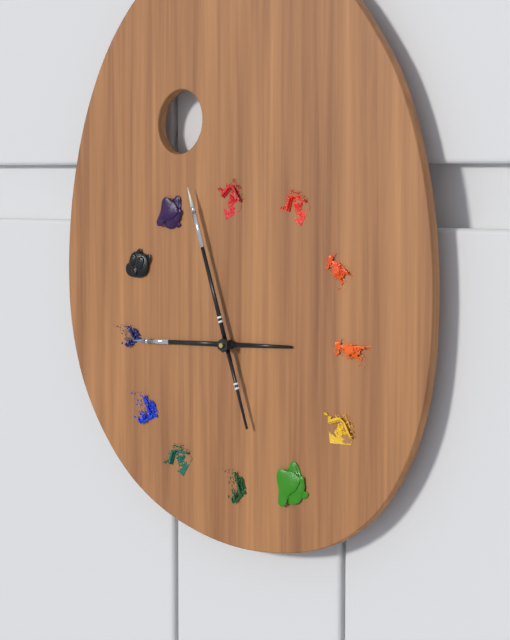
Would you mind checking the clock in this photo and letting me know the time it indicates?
8:57
